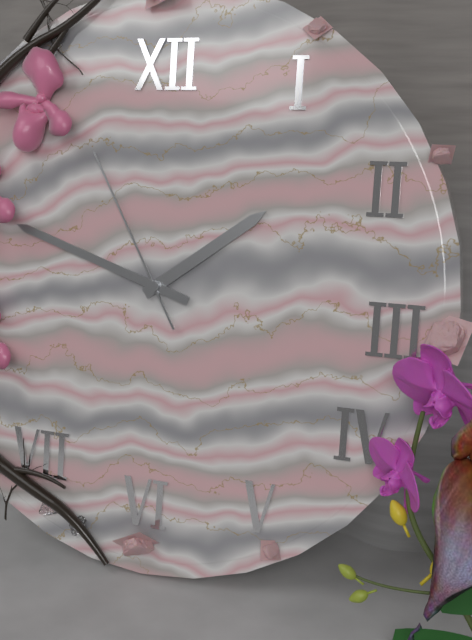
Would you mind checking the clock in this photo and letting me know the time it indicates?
1:48:55
